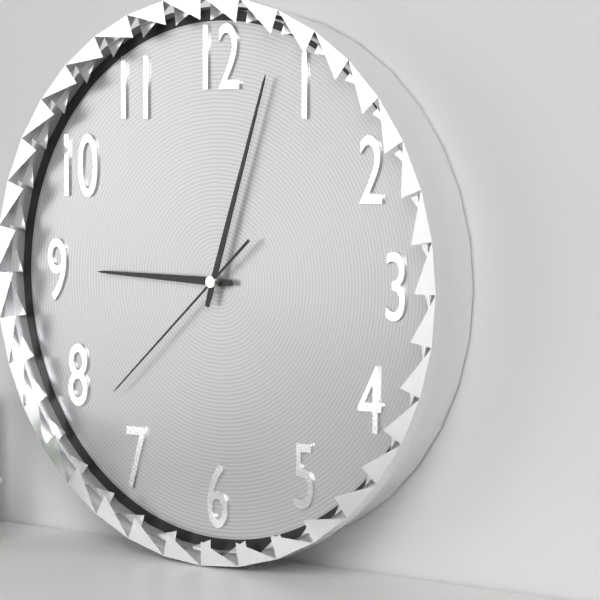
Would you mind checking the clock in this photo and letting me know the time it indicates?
9:03:38
